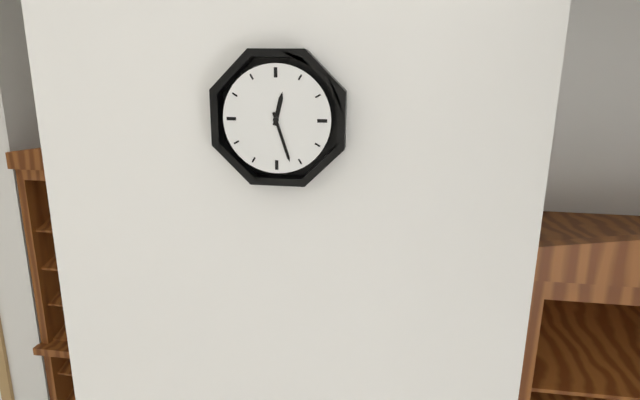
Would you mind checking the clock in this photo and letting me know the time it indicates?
12:27
